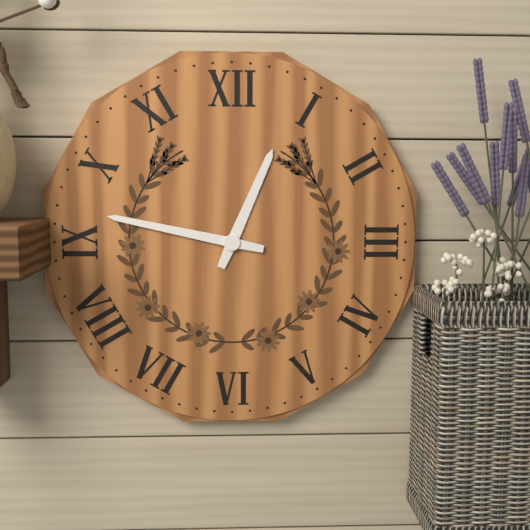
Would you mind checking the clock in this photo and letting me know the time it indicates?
12:47
